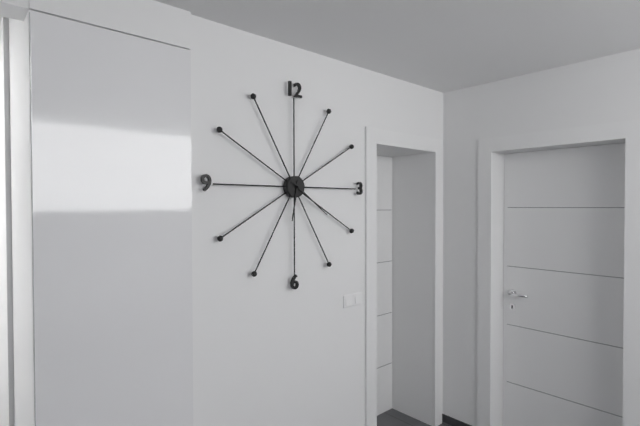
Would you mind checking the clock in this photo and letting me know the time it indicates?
6:21
